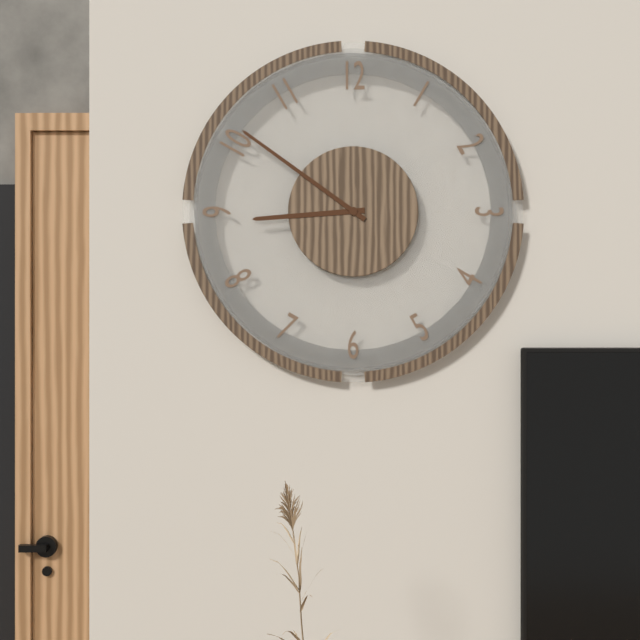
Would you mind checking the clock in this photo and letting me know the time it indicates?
8:51
